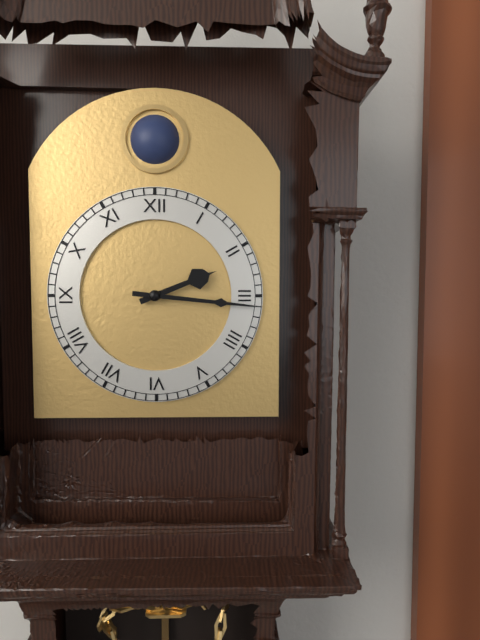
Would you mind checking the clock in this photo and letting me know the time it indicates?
2:16
